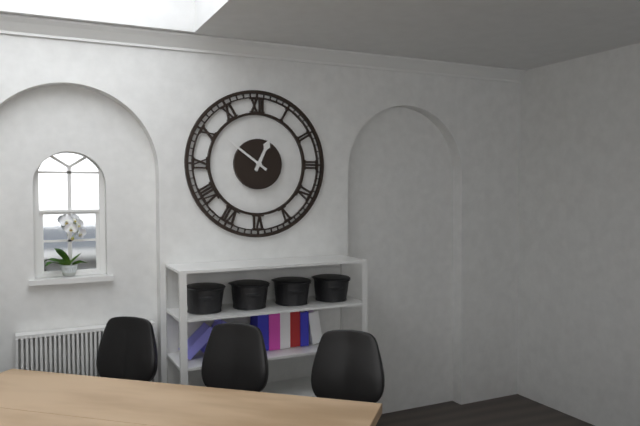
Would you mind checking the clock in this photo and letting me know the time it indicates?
12:51
